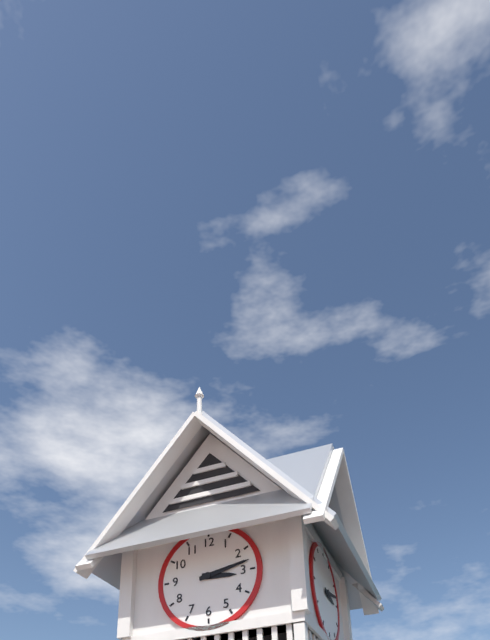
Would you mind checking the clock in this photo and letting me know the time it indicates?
3:13
